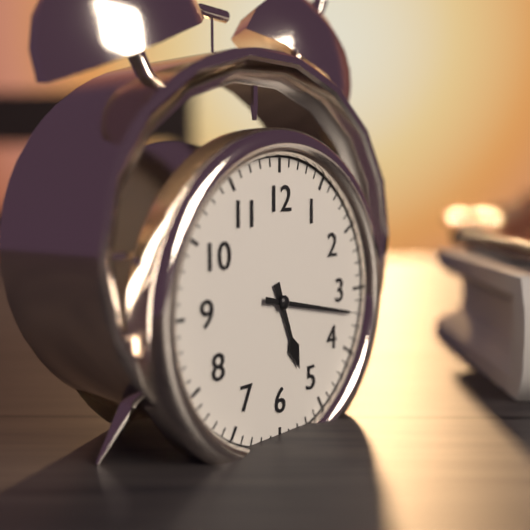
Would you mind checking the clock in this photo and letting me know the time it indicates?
5:17
